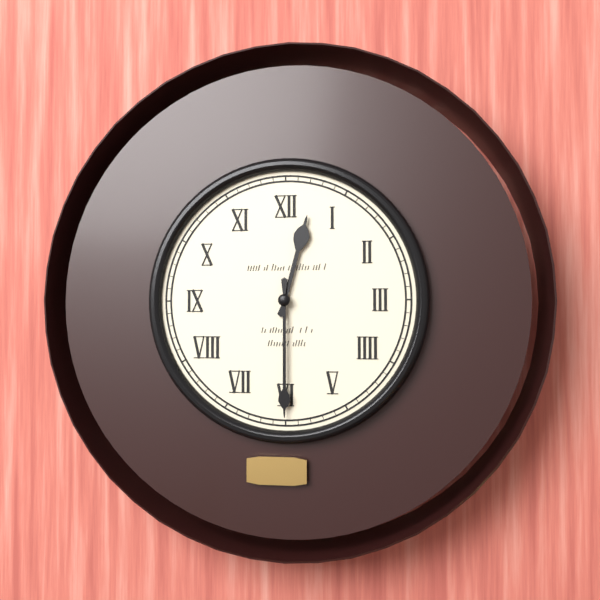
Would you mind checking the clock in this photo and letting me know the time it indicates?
12:30
